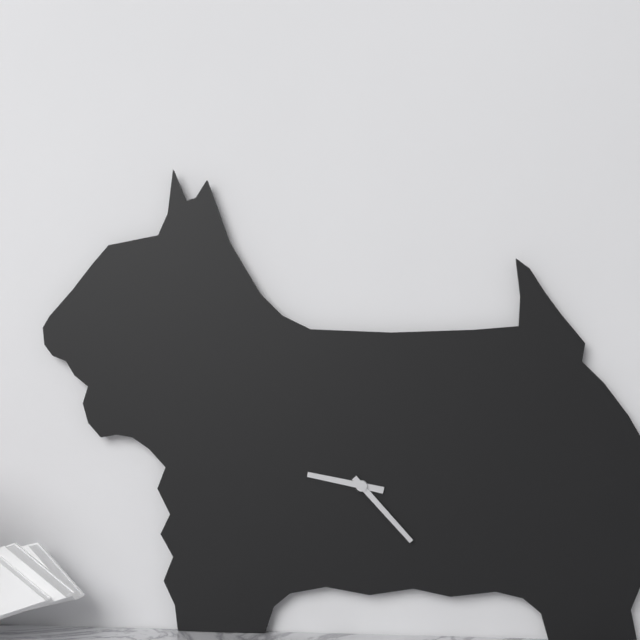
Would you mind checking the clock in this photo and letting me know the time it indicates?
9:23
